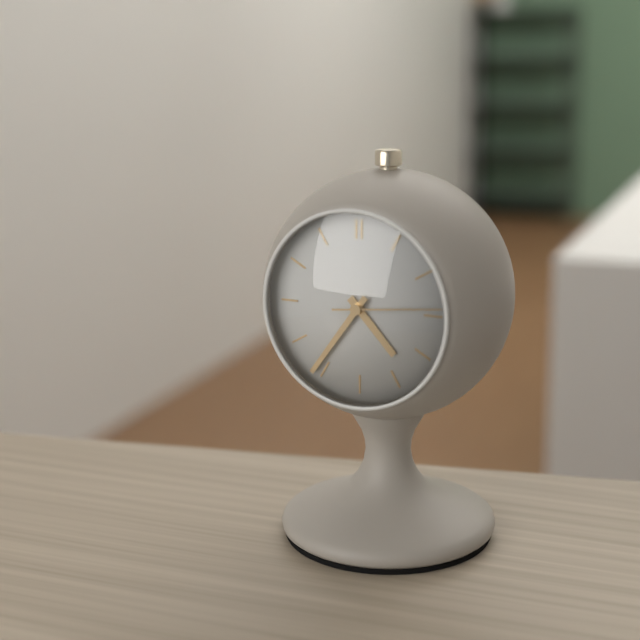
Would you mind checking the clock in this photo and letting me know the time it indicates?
4:36:14
